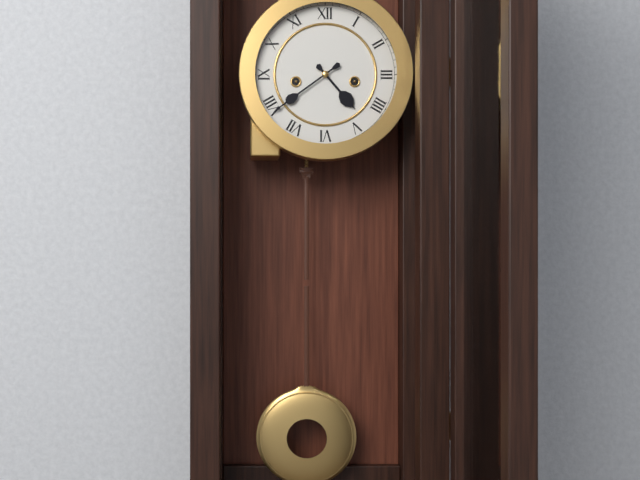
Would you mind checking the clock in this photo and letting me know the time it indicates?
4:39
